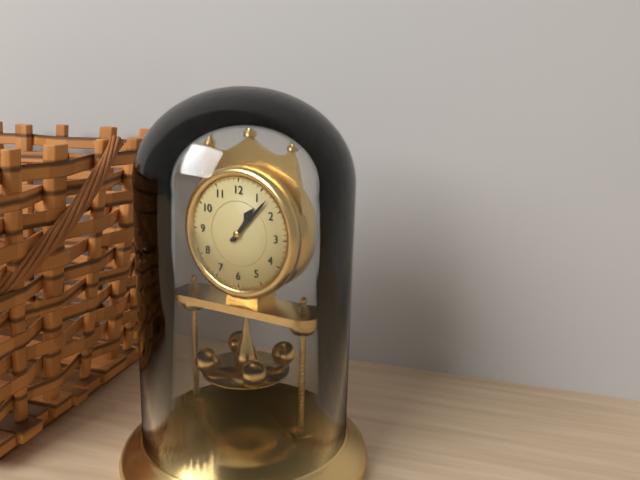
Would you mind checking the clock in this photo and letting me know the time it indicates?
1:07
